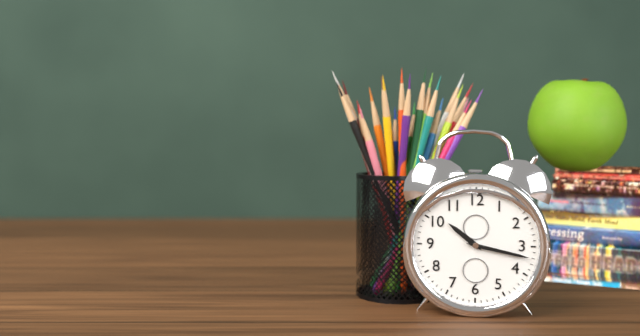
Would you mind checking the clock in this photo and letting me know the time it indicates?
10:17
